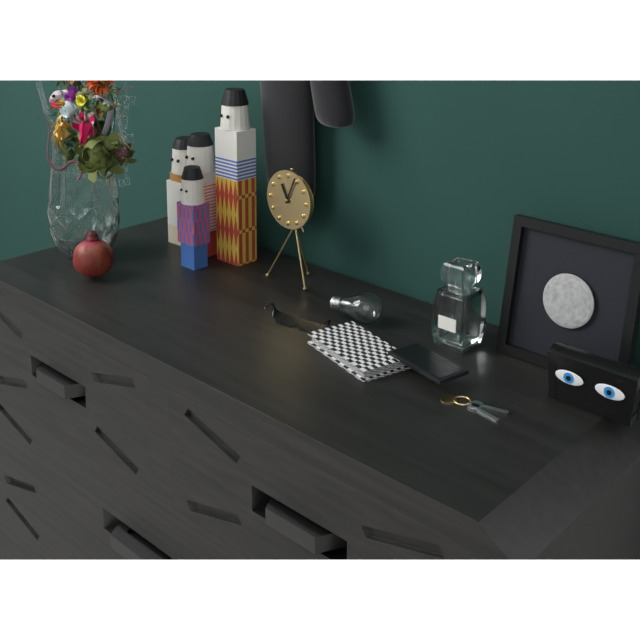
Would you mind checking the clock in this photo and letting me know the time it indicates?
11:04
